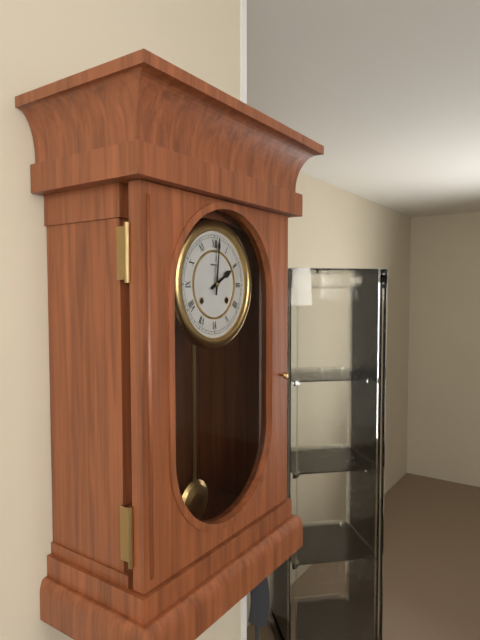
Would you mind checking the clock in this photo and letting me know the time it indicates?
2:01
